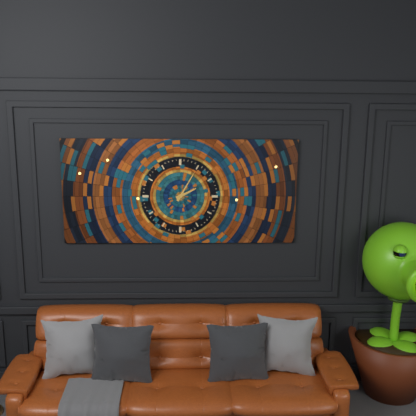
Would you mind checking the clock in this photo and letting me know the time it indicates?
2:05
